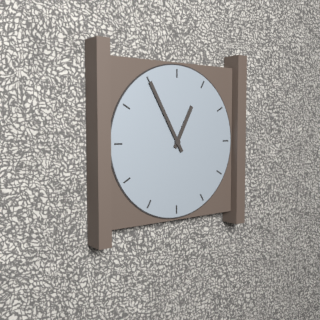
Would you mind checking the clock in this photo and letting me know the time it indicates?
12:55
